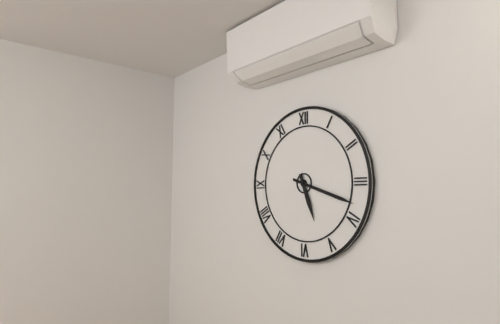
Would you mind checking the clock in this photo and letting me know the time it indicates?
5:18
